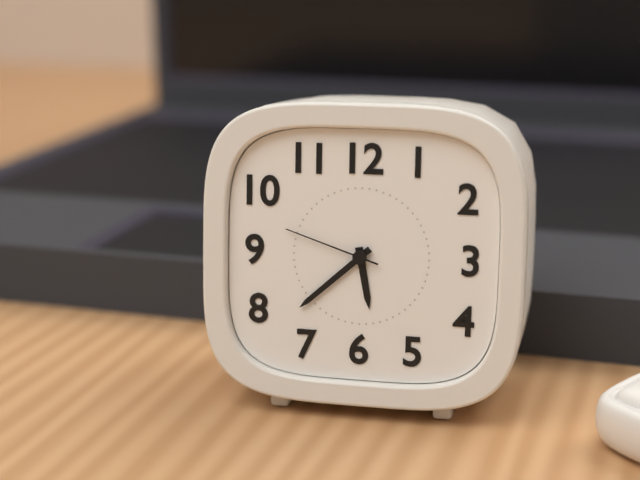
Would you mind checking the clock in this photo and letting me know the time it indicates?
5:38:48
